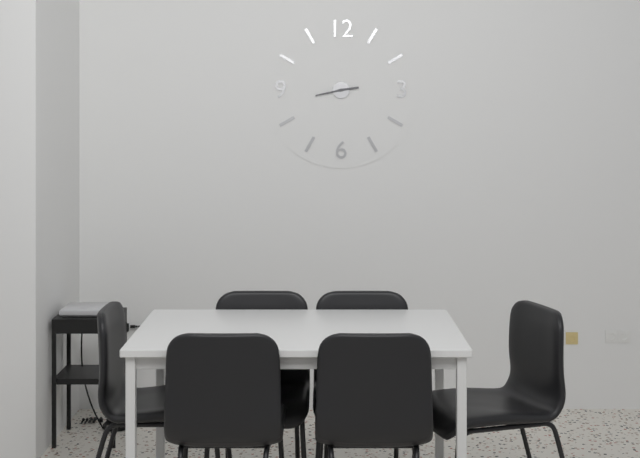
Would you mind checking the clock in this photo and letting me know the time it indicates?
2:43
